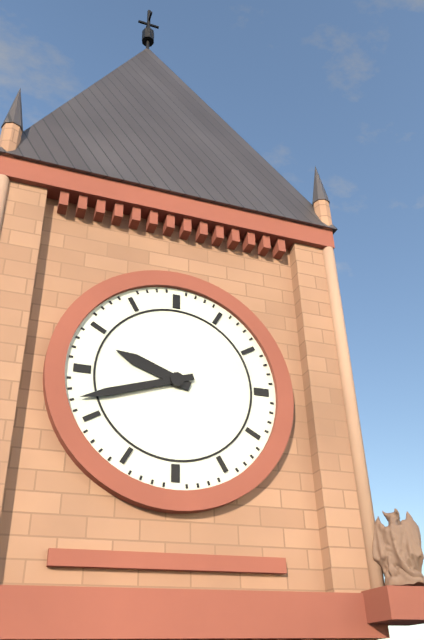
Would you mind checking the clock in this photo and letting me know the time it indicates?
9:42
